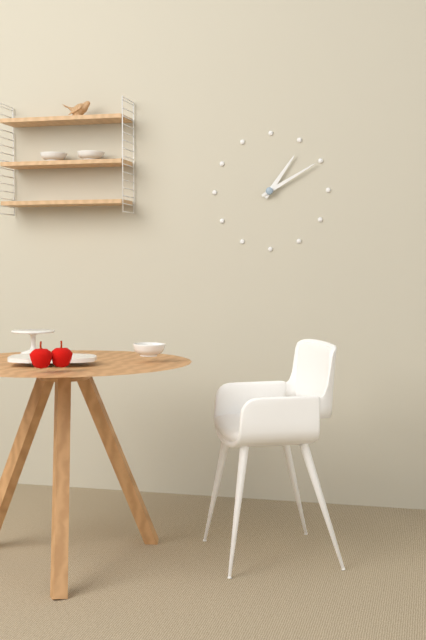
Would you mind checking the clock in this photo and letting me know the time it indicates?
1:10
